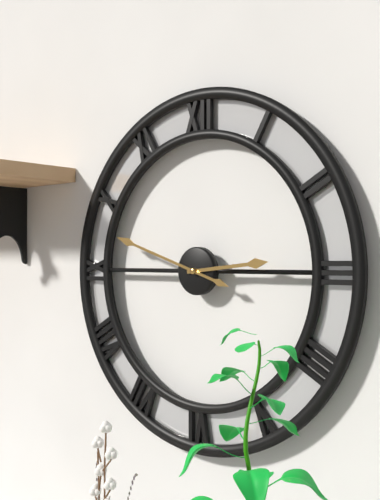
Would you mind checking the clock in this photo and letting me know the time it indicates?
2:48
